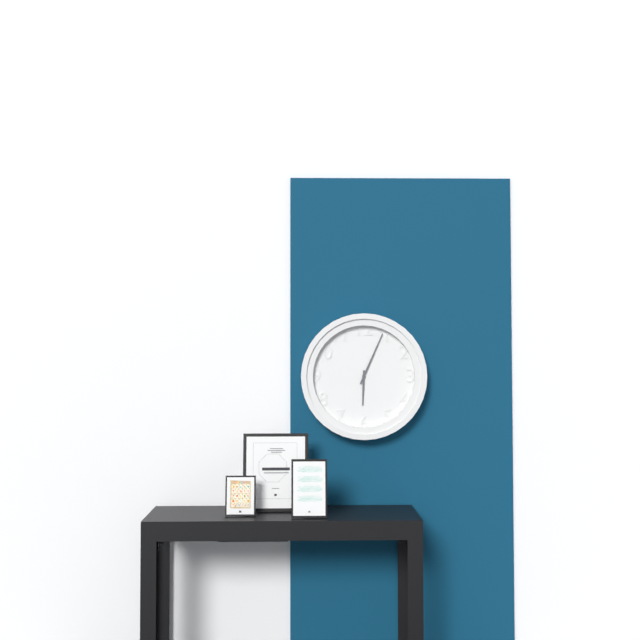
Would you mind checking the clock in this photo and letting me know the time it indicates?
6:04
